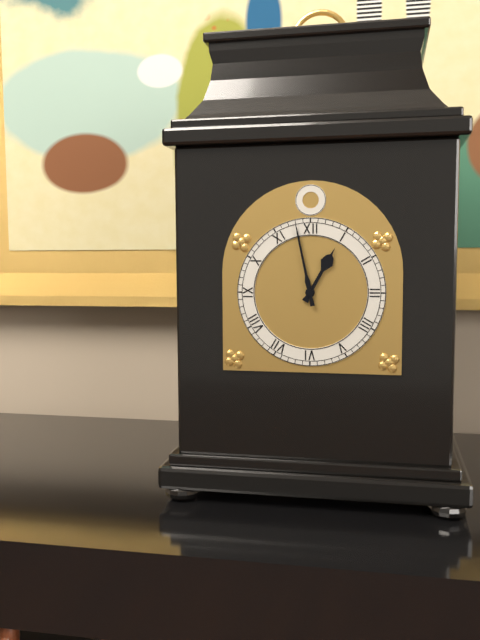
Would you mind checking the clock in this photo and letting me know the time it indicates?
12:58
